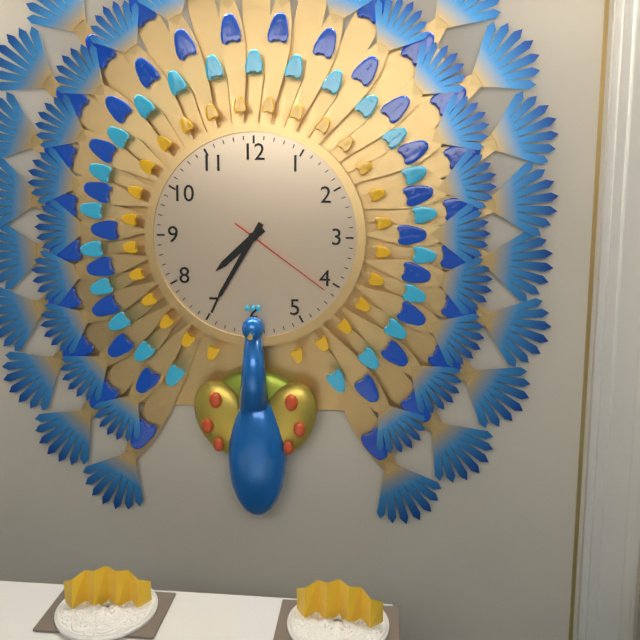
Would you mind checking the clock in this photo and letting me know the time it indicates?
7:35:21
